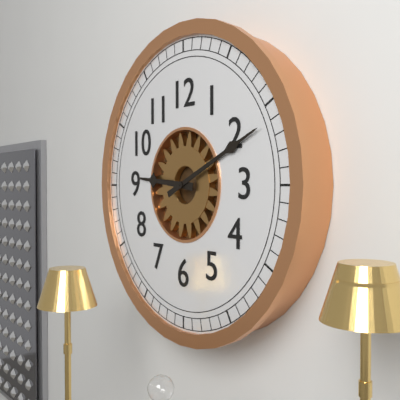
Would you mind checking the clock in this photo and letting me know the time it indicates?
9:11
